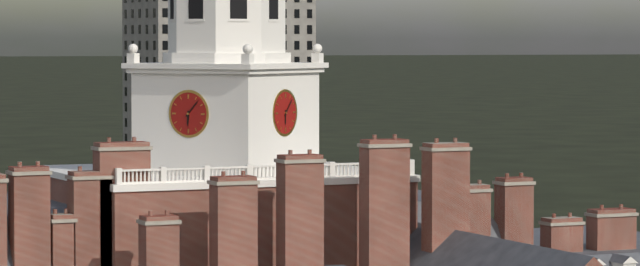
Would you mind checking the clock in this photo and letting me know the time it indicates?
6:07
